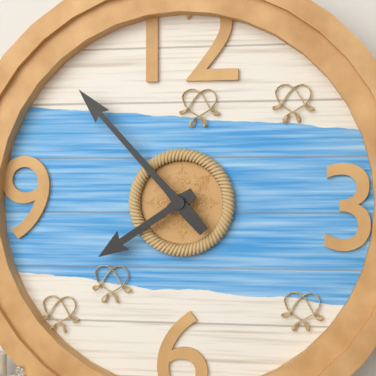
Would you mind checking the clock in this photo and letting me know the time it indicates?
7:53
